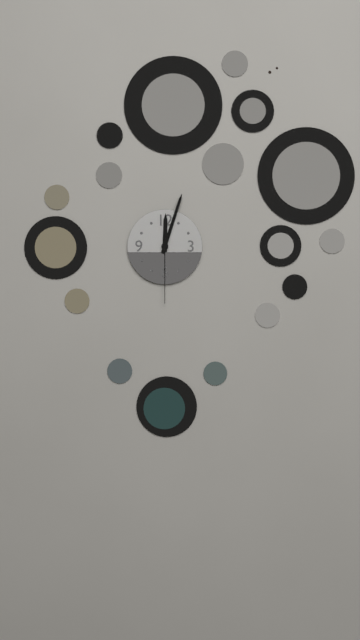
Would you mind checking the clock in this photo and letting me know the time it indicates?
12:03:30
